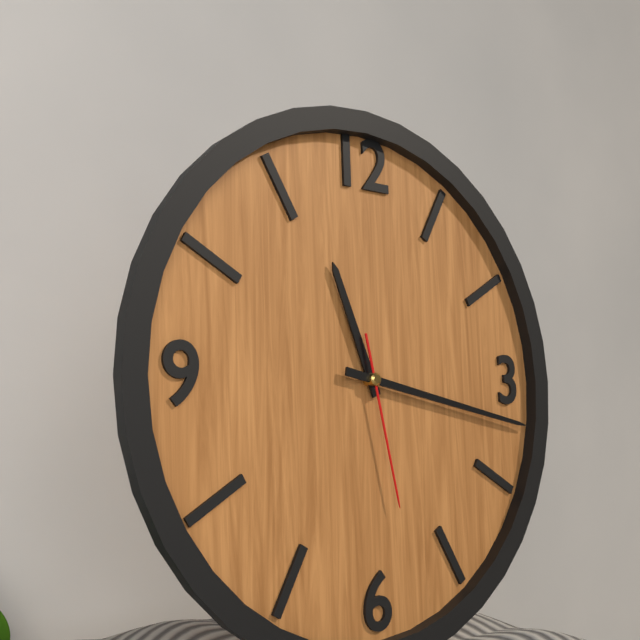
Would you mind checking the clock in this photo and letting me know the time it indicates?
11:17:28
